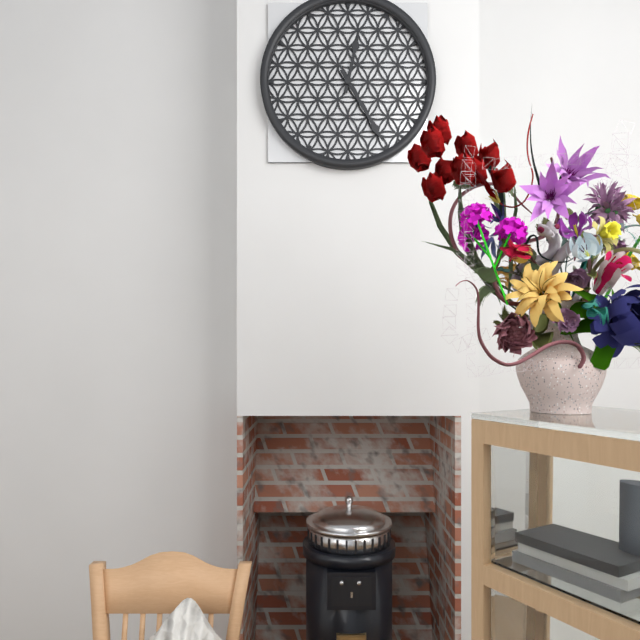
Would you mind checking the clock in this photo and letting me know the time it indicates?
12:25
